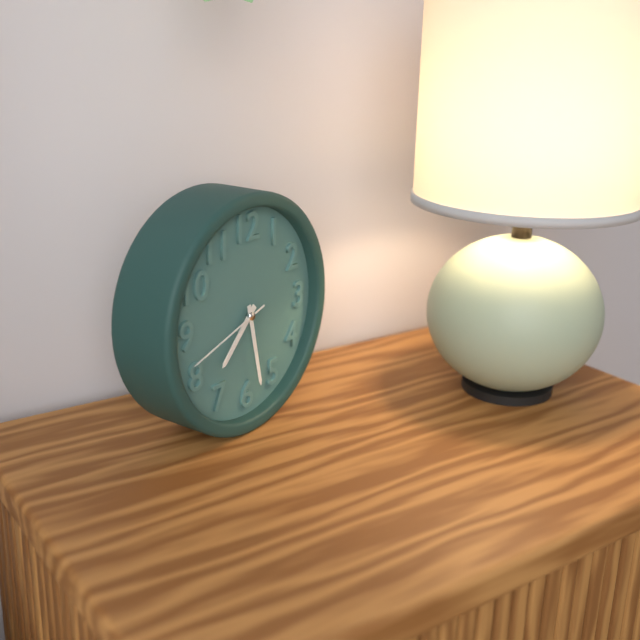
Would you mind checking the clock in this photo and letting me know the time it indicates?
7:28:42
